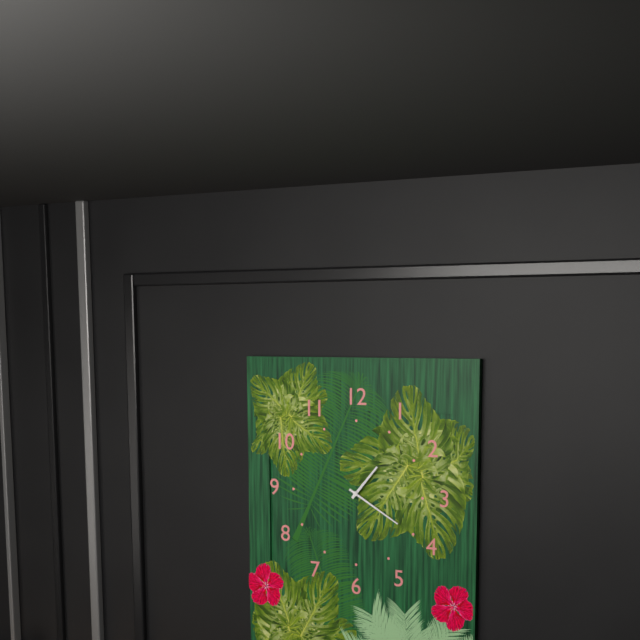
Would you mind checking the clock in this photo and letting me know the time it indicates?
1:20
